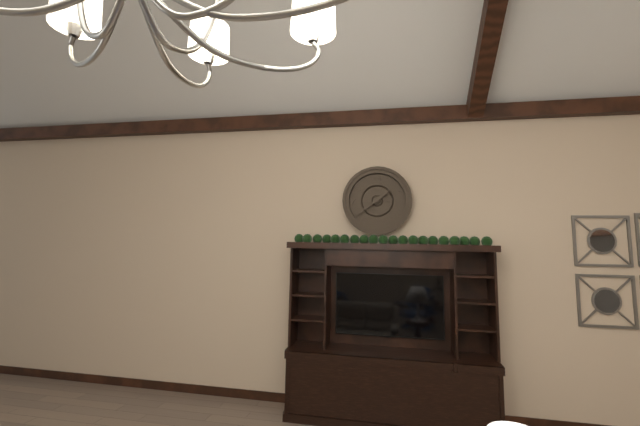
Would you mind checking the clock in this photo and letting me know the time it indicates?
1:39
